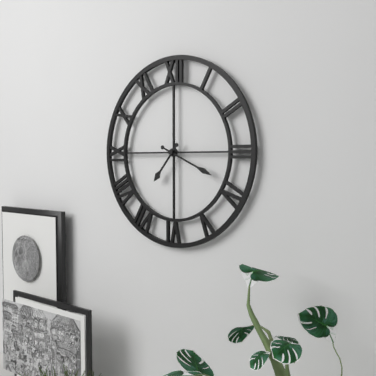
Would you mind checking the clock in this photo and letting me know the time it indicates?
7:19
